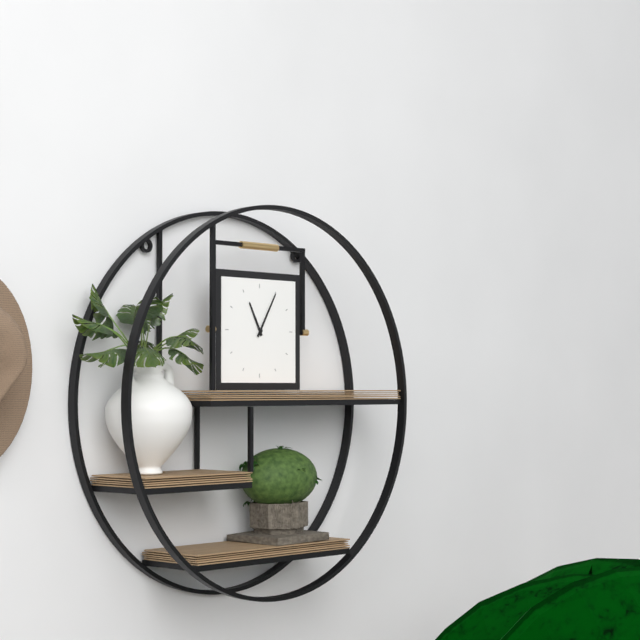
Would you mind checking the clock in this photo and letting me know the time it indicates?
11:05
